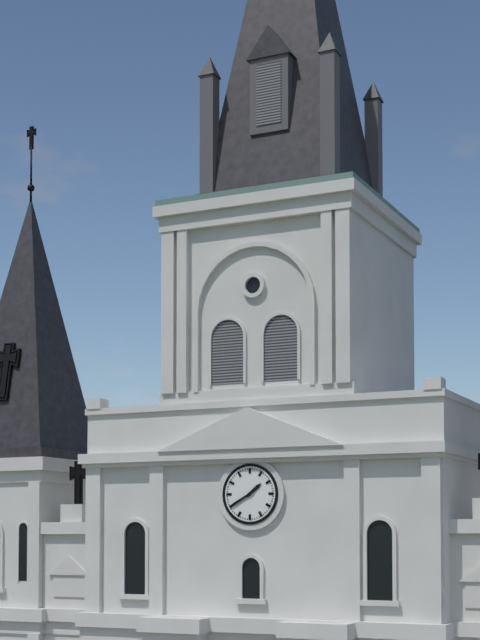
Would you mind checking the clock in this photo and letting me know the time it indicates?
1:40
